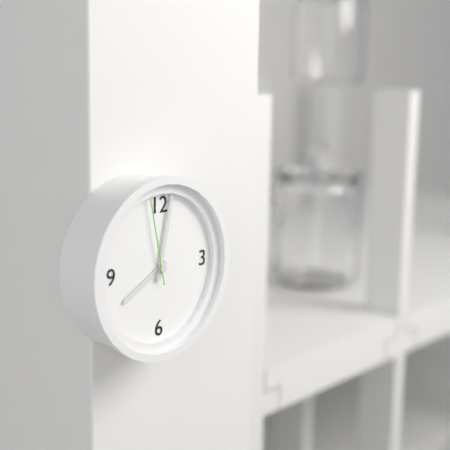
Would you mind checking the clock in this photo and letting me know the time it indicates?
8:02:58
